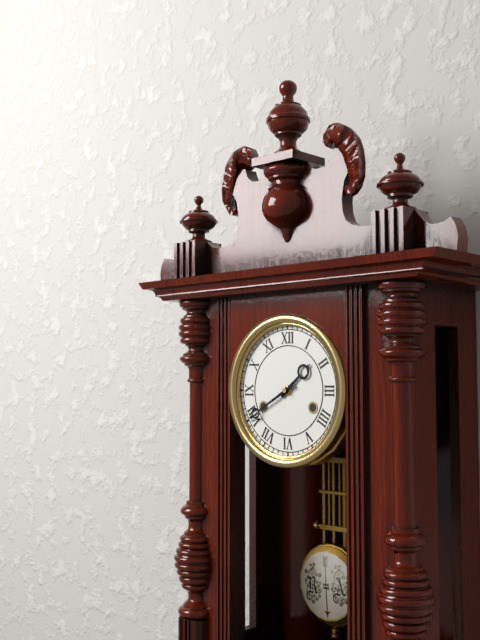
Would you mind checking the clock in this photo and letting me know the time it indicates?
1:40
